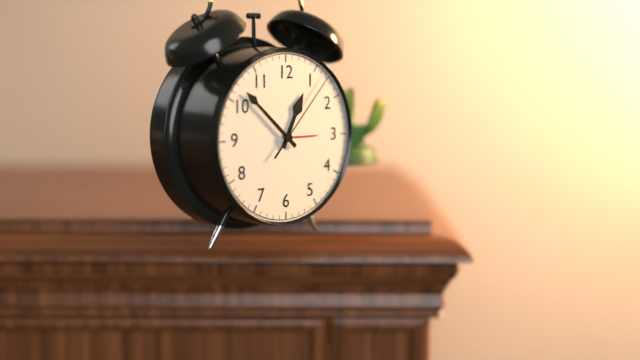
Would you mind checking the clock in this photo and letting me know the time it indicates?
12:52:07
